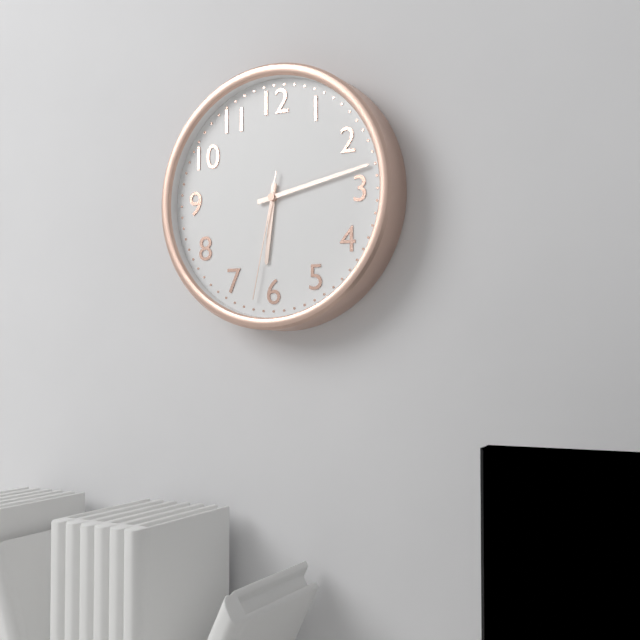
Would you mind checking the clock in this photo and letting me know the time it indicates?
6:13:32
